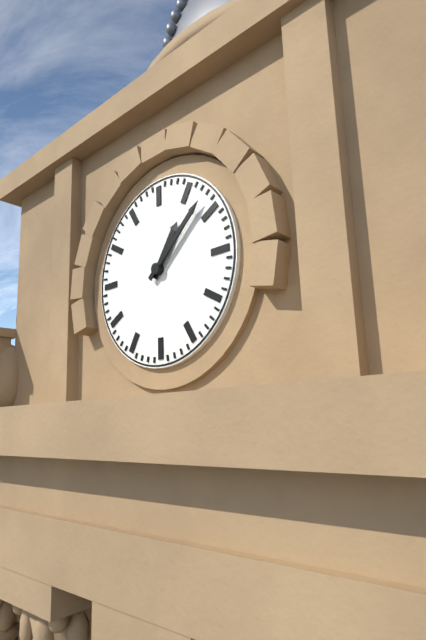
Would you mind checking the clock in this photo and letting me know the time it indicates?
1:08
